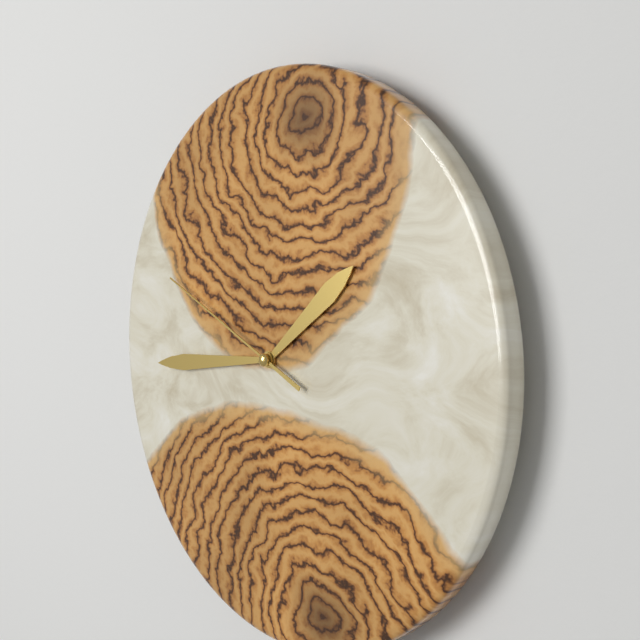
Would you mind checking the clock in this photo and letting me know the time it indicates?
1:44:49
